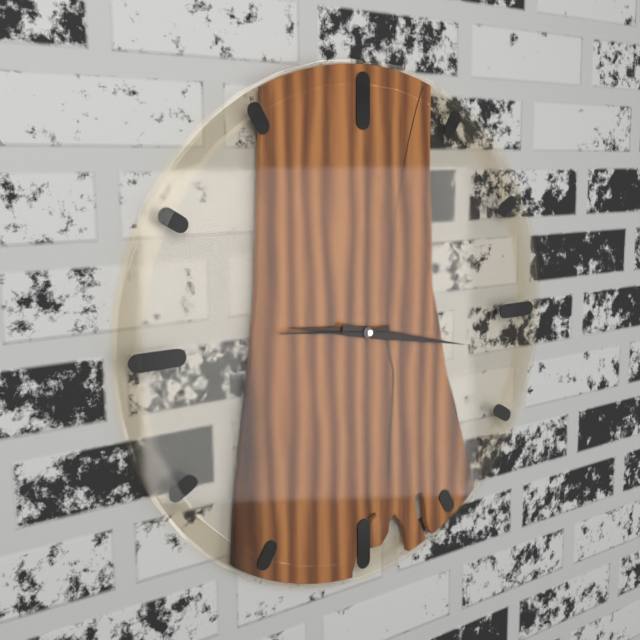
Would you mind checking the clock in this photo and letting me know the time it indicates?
9:17:46
